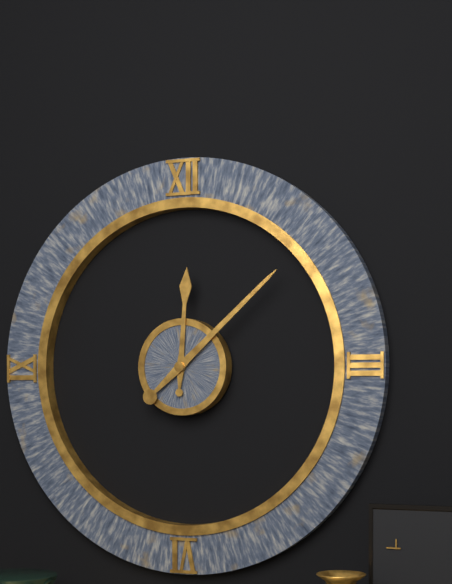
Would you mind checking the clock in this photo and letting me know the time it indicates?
12:08
